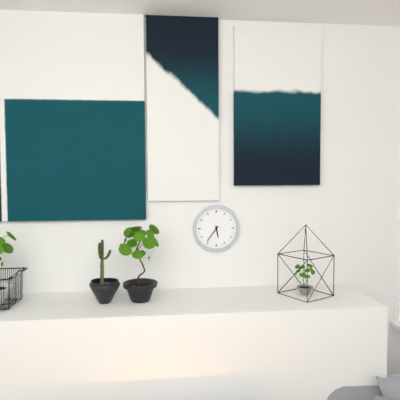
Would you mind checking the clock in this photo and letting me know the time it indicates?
5:36
